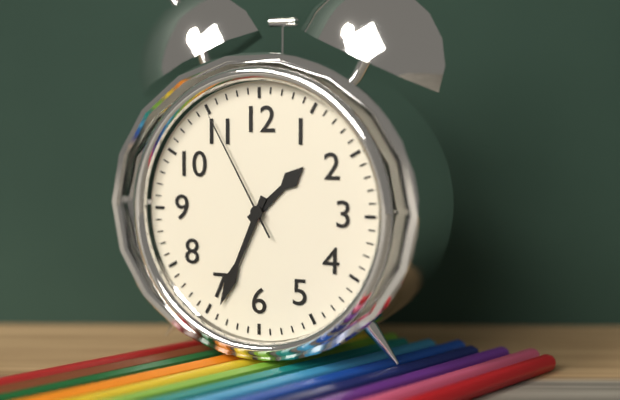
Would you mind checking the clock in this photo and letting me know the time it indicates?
1:34:55
